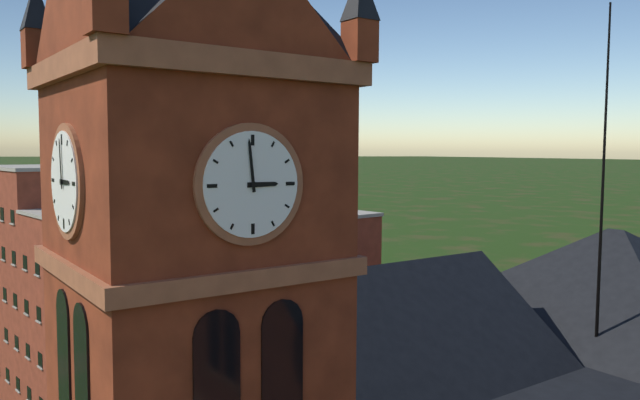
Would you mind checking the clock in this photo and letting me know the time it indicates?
2:59
